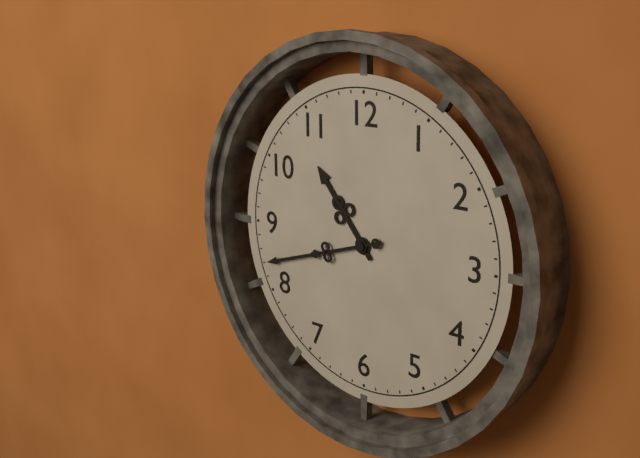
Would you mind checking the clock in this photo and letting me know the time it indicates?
10:42
